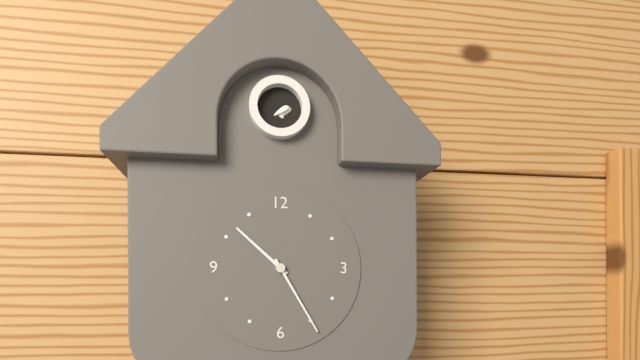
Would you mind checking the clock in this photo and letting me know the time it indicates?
10:25
